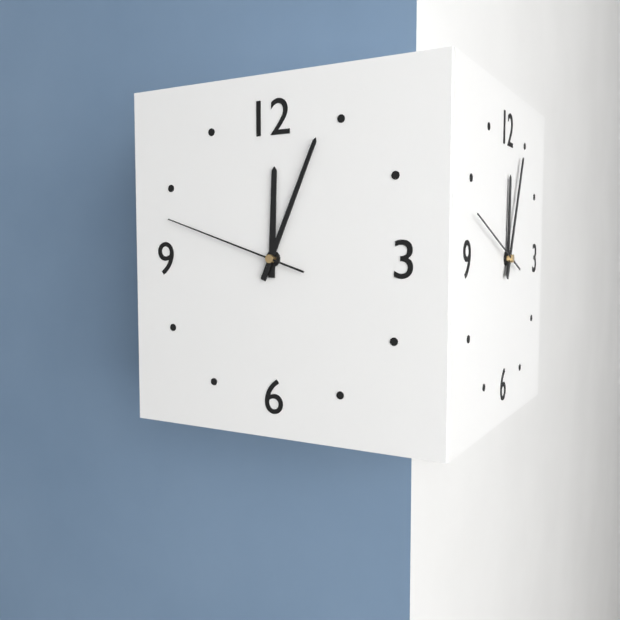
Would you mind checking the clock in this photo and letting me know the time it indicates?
12:04:48
